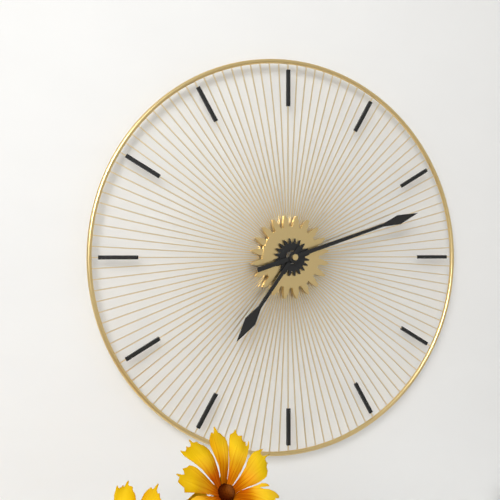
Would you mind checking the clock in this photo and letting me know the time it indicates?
7:12
